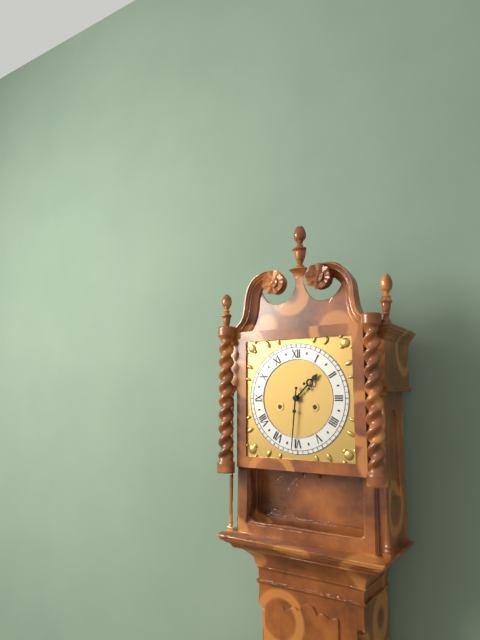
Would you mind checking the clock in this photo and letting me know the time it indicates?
1:31
